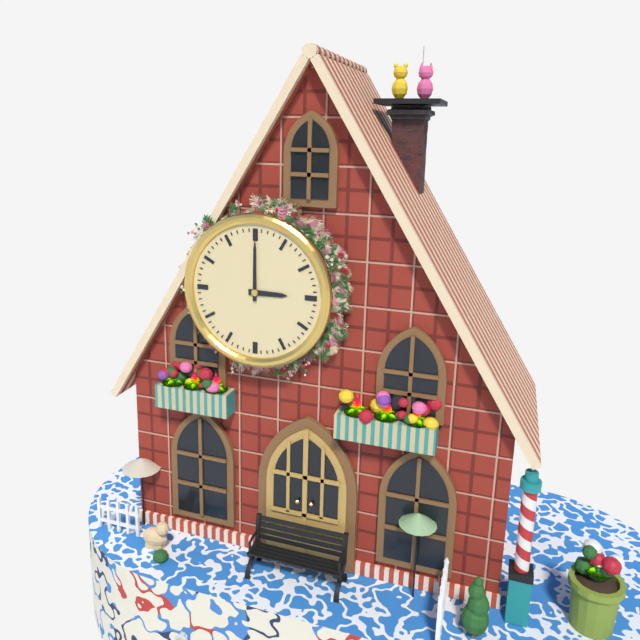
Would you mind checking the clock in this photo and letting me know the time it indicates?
3:00
